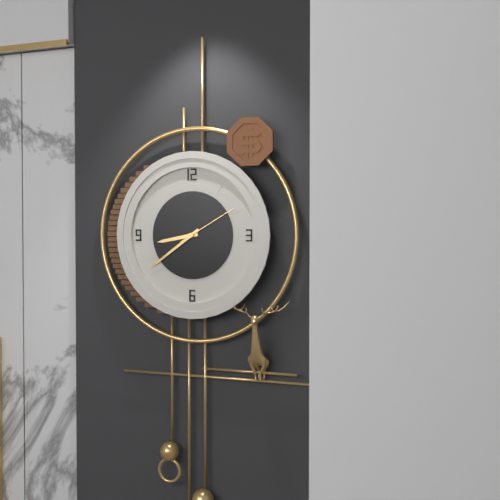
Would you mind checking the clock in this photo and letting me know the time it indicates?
8:39:10
